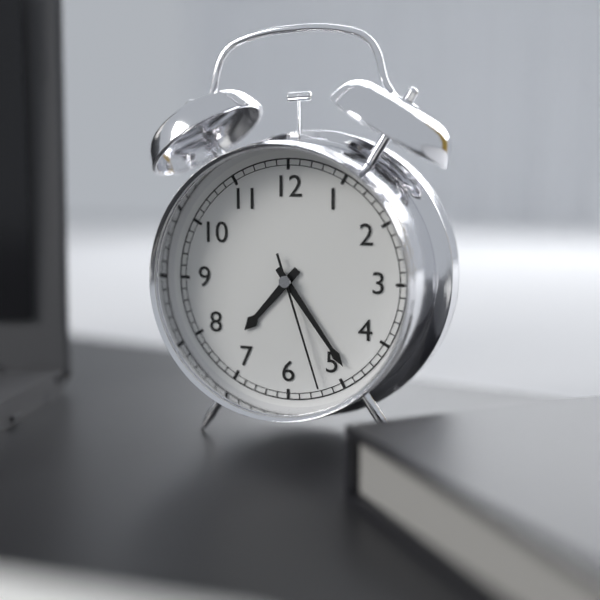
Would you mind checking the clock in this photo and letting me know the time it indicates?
7:24:27
